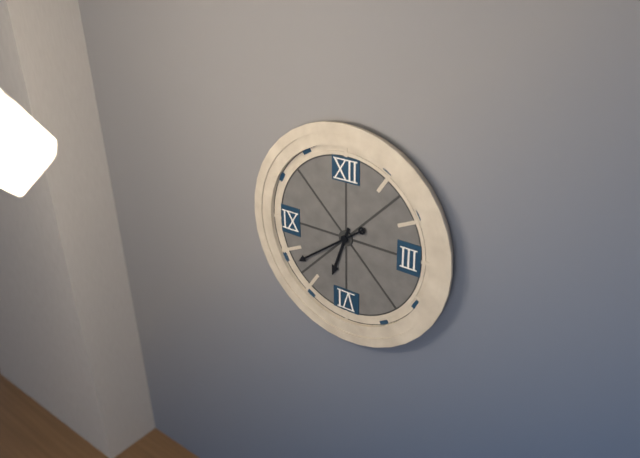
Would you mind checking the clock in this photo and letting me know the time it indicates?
6:39
